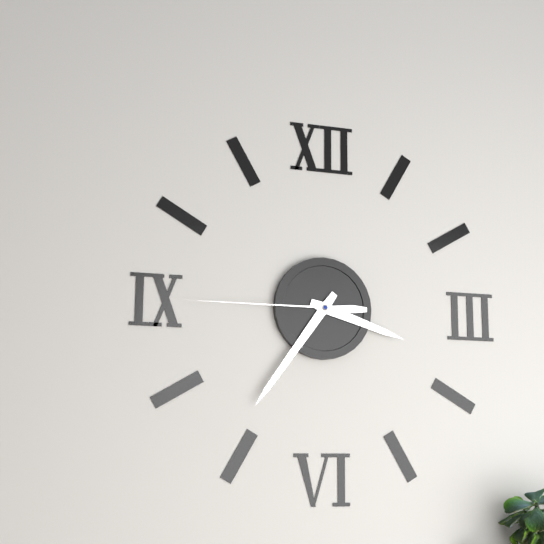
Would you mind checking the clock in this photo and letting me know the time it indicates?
3:36:45
